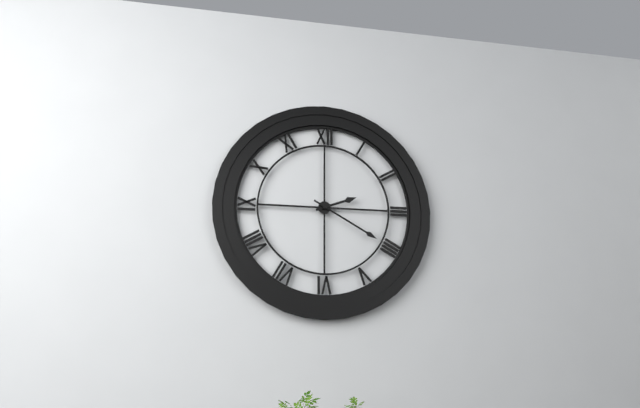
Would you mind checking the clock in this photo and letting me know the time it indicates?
2:20
